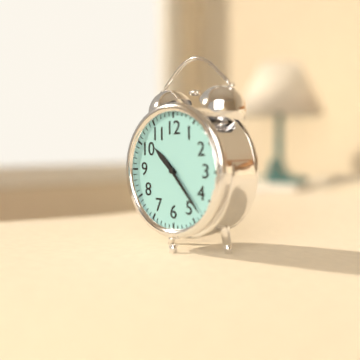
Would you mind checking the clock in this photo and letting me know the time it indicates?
10:23
